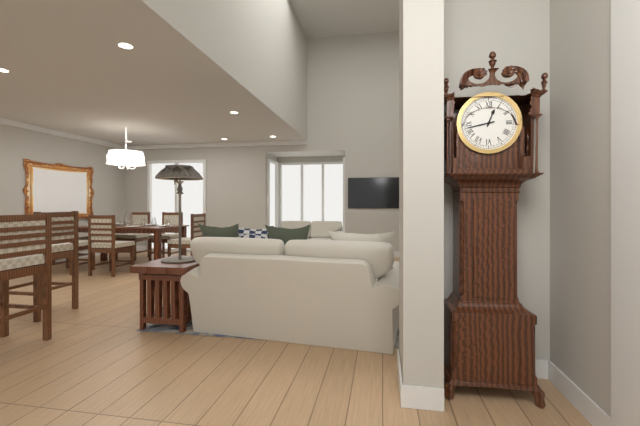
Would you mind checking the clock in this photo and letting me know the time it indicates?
12:43
